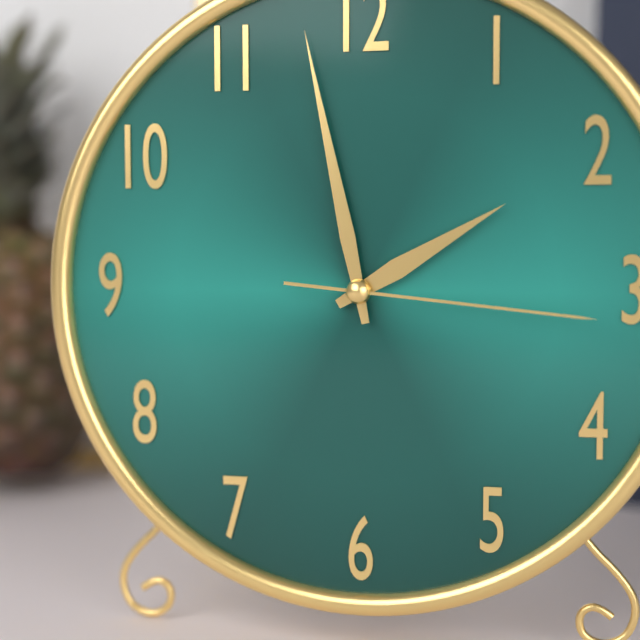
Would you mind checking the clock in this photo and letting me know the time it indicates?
1:58:16
